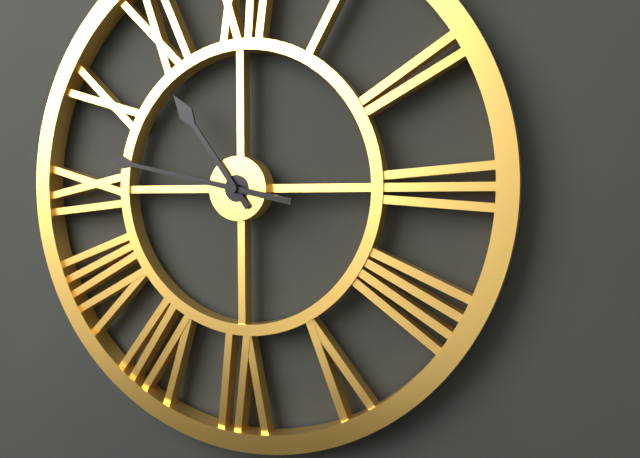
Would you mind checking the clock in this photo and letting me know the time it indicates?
10:47
